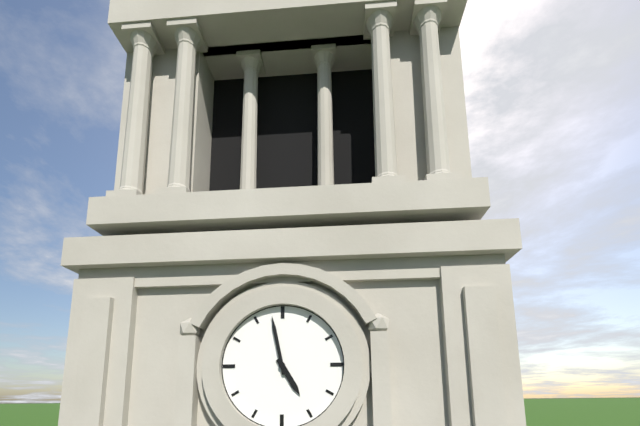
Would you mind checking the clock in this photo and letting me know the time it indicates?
4:58
